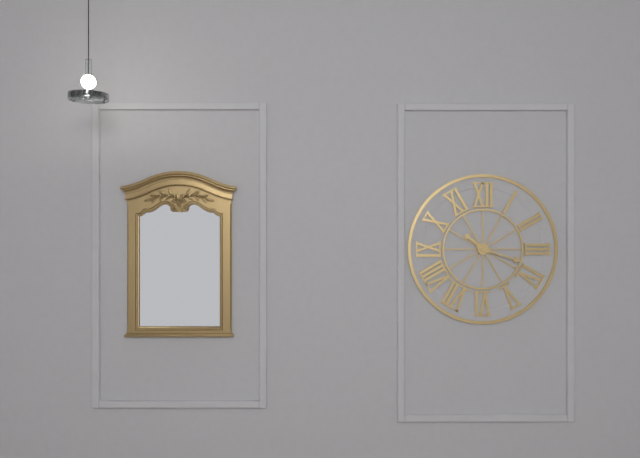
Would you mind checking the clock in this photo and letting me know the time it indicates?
10:18
